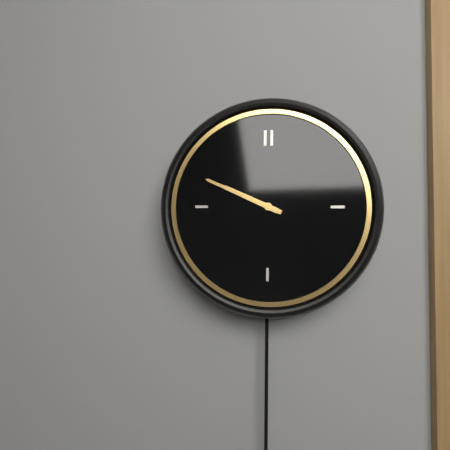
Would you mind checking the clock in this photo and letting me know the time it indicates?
9:49
